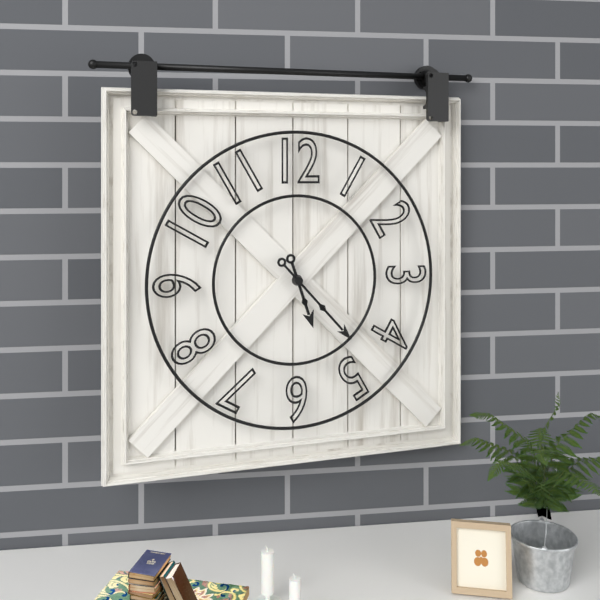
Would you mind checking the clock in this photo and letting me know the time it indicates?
5:23
